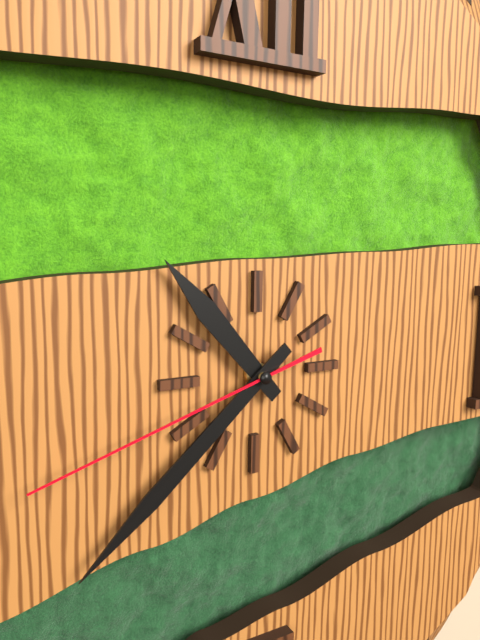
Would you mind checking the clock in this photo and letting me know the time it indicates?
10:38:42
